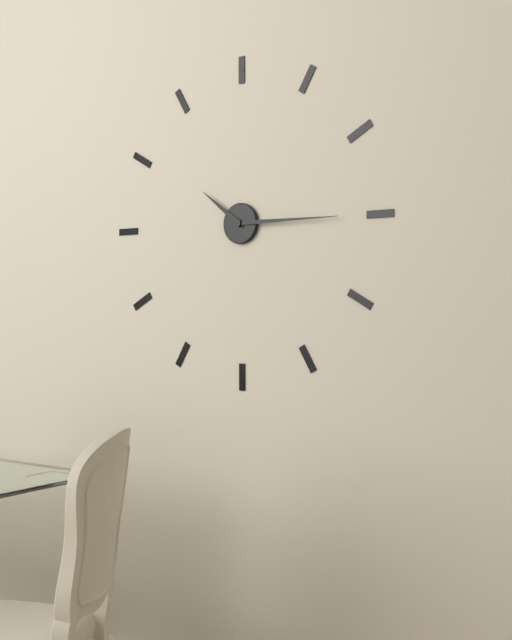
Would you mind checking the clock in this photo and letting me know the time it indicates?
10:15
